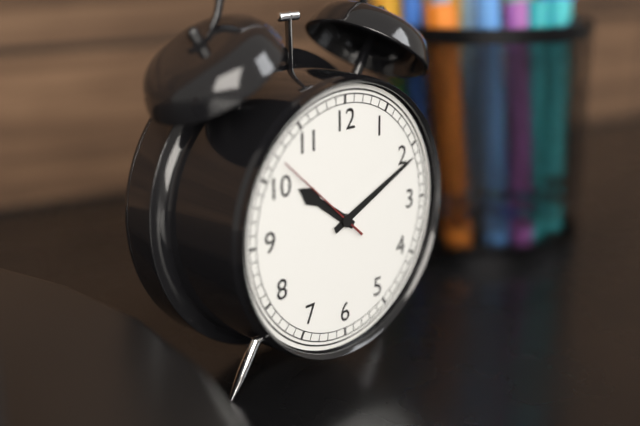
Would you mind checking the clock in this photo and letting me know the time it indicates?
10:11:52
